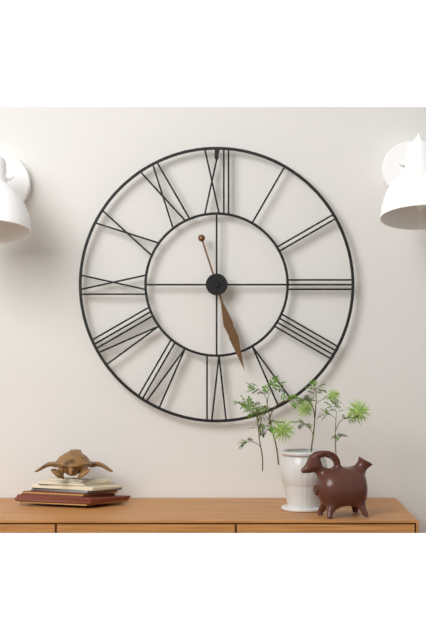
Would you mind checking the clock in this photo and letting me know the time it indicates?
5:27
